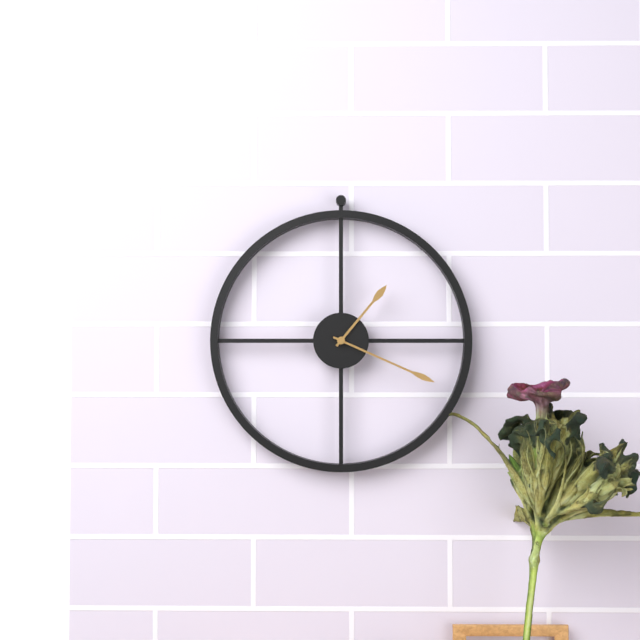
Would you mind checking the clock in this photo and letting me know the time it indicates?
1:19
